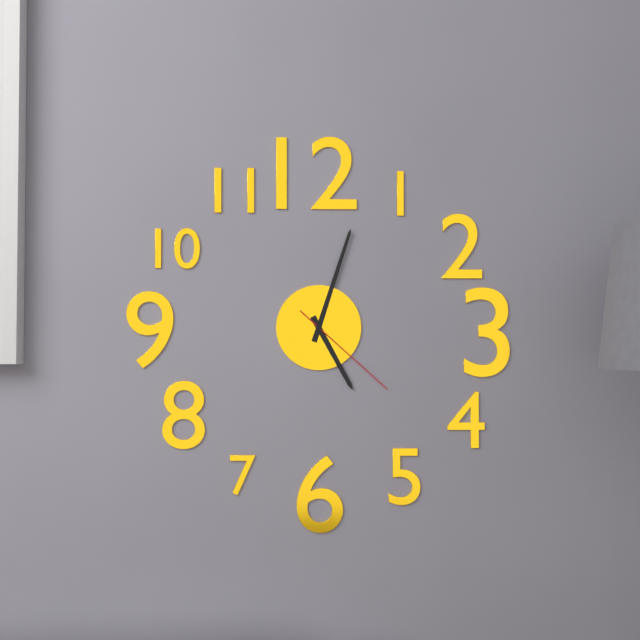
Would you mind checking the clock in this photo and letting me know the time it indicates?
5:03:22
